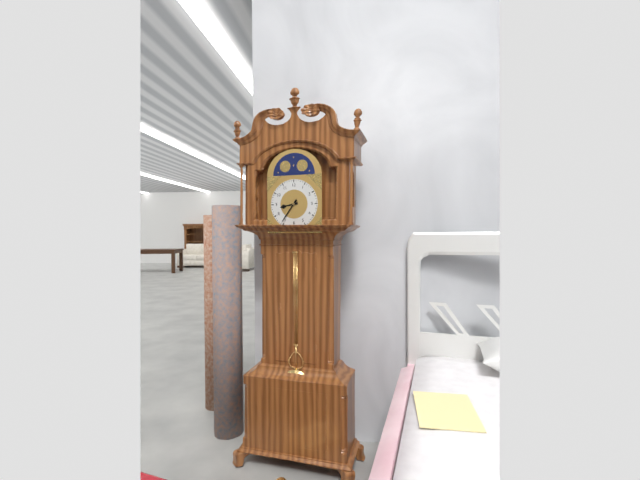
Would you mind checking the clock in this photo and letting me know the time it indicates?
8:36
